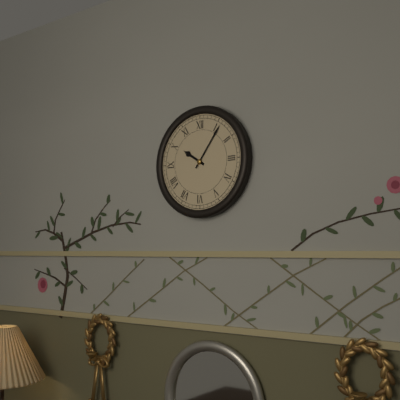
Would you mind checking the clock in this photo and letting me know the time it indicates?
10:06
